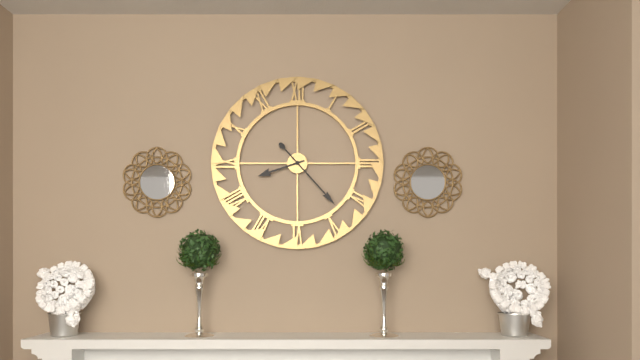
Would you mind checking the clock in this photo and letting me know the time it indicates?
8:23
